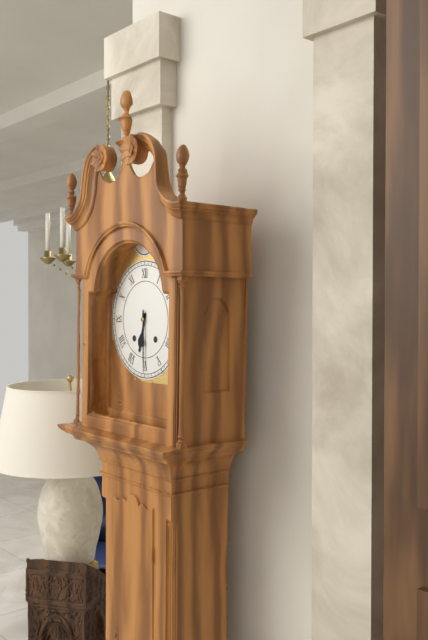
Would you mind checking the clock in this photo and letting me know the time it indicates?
6:30
